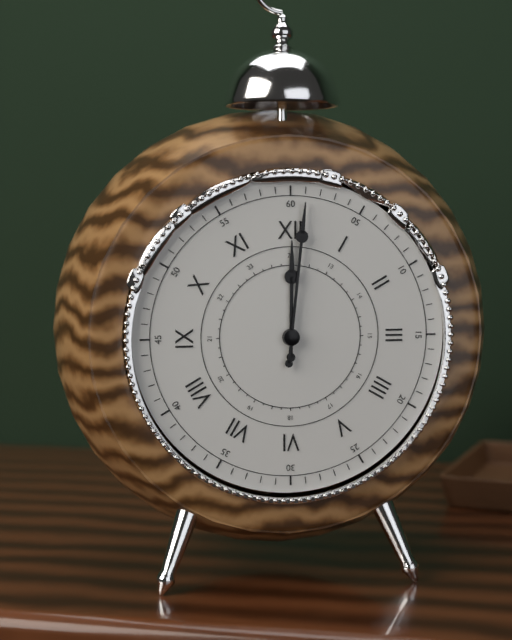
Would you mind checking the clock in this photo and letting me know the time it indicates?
12:01
